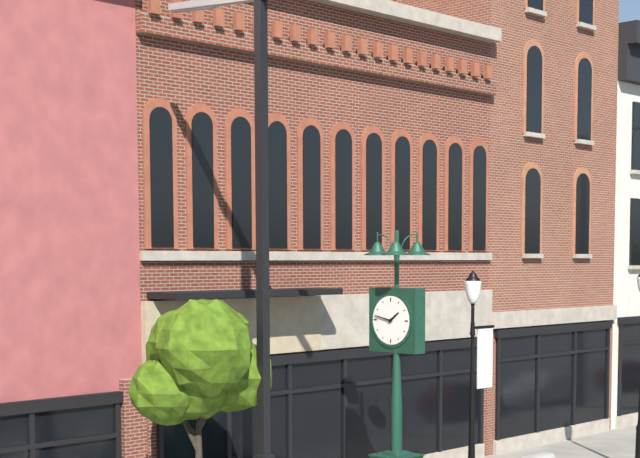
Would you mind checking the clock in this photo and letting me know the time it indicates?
1:47
